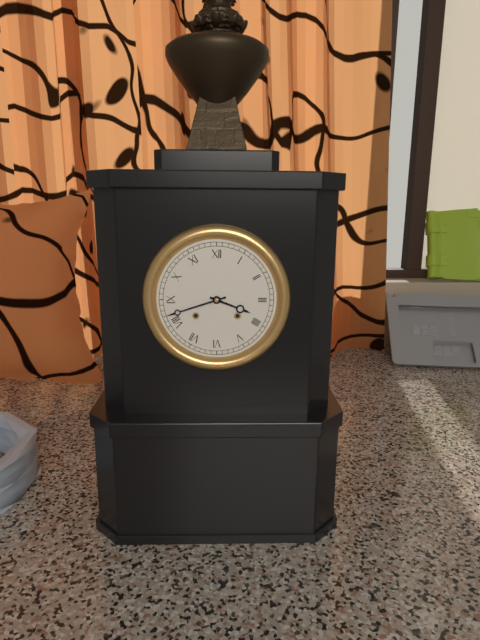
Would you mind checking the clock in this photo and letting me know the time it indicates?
3:42
